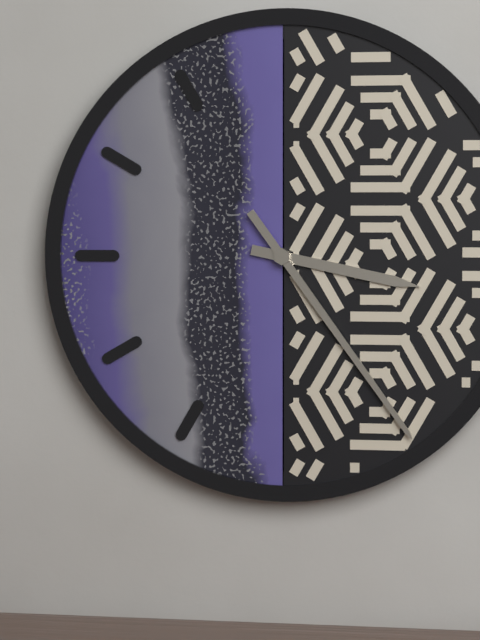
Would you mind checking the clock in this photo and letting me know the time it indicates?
3:24
